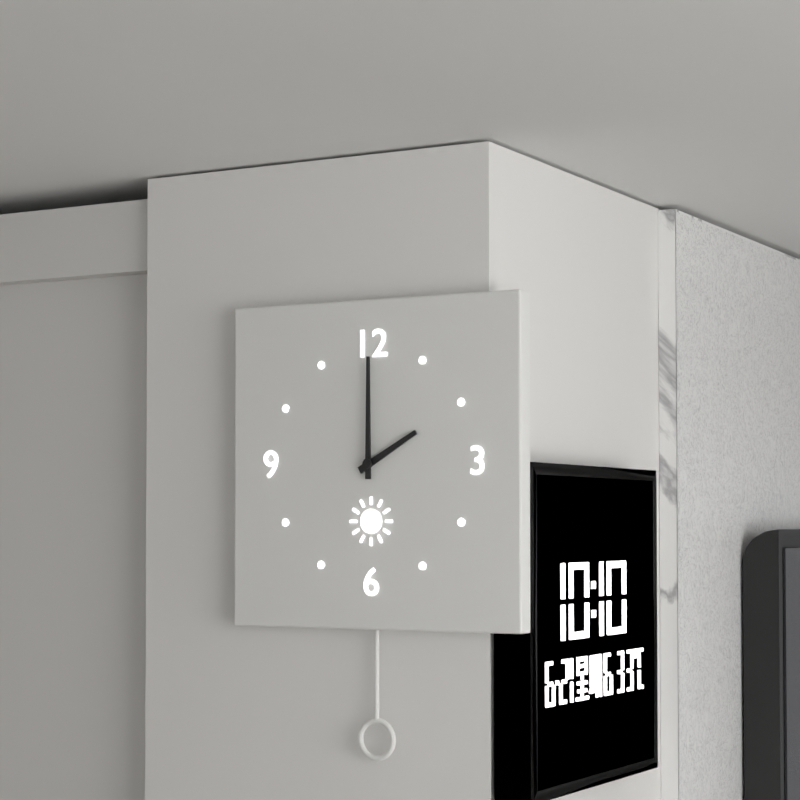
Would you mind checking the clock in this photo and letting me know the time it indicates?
2:00
